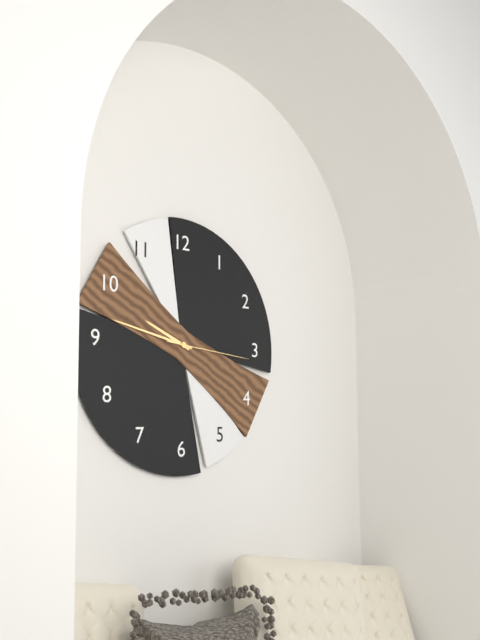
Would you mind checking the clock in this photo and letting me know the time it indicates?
9:47:16
